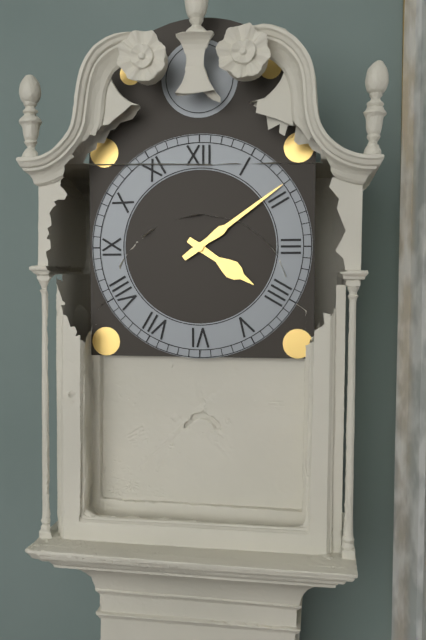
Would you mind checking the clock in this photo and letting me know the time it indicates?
4:09
